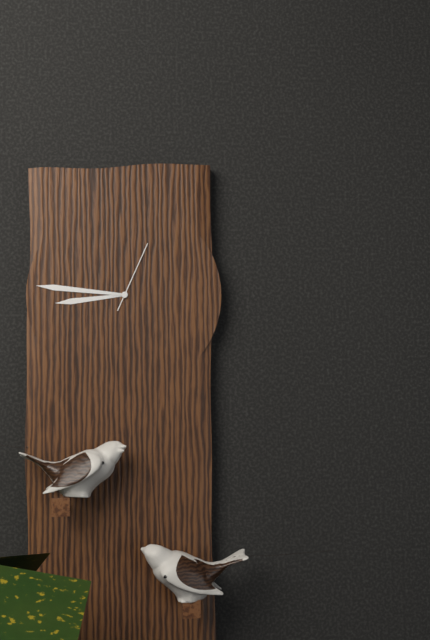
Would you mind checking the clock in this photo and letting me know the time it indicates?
8:46:04
